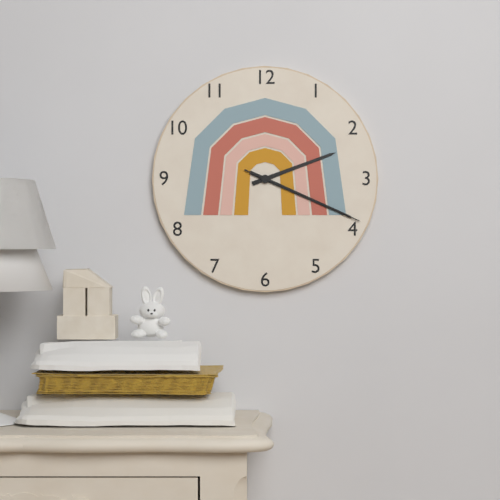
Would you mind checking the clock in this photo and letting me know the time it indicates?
2:19:19
